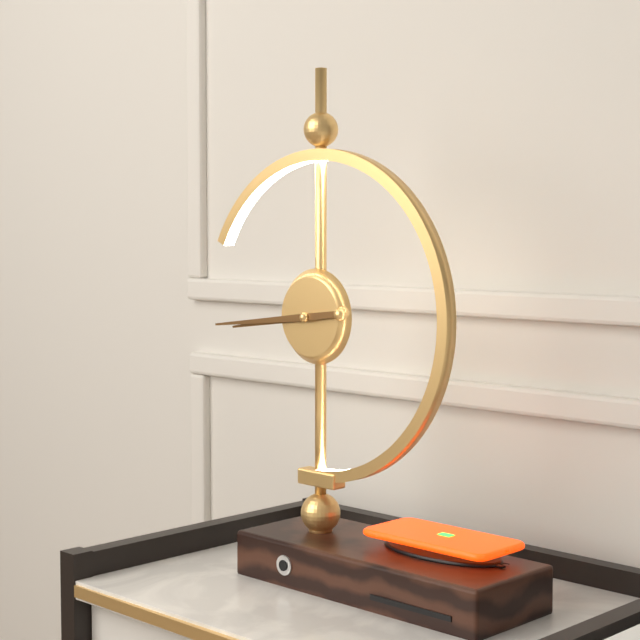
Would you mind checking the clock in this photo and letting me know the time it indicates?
8:44
